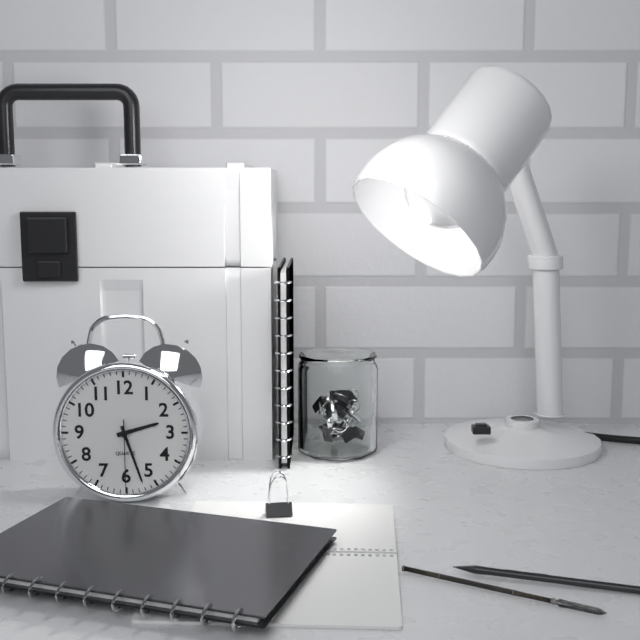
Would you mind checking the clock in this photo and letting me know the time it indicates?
2:27:30
